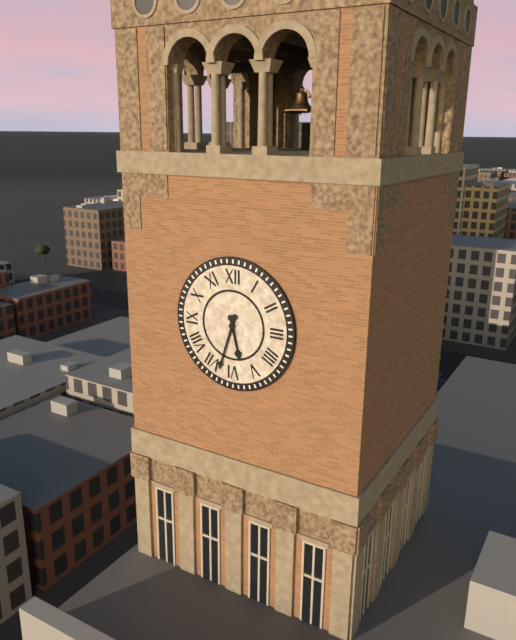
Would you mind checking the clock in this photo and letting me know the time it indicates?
5:33
